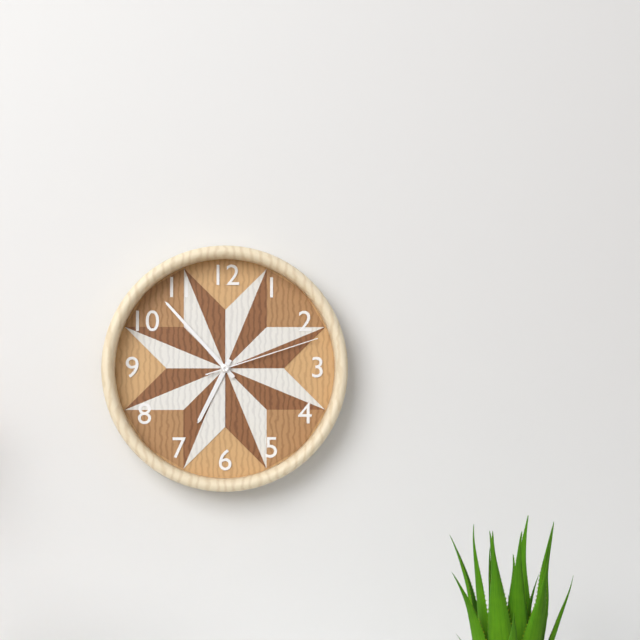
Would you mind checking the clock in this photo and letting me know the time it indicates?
6:53:12
